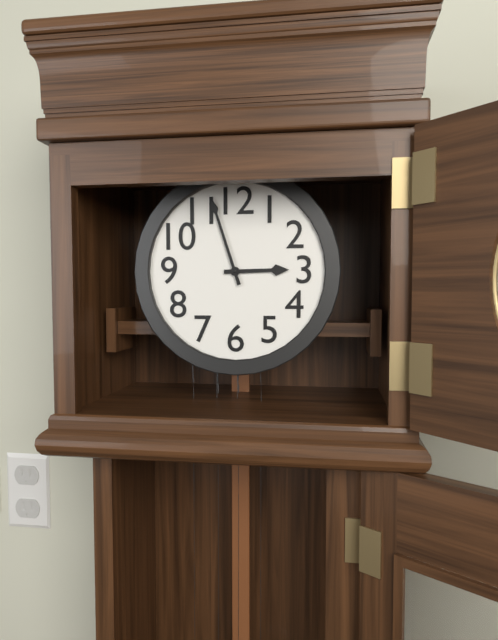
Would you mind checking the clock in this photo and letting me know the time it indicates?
2:57
